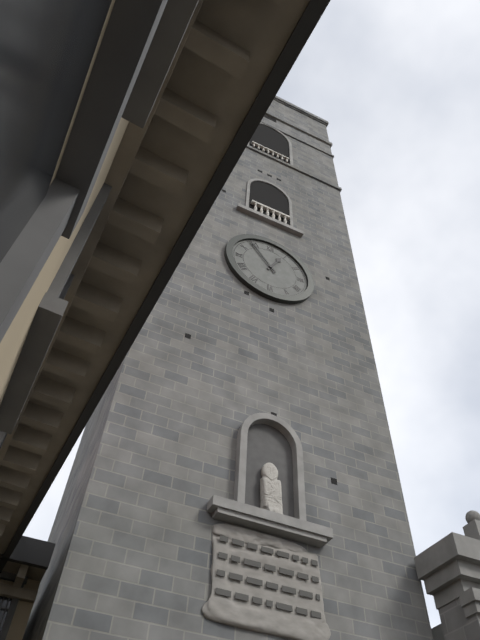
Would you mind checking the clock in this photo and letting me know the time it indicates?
12:54
